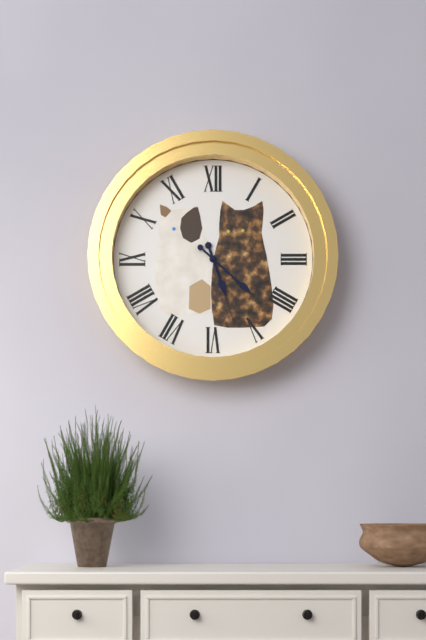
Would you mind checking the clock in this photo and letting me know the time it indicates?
5:22:27
